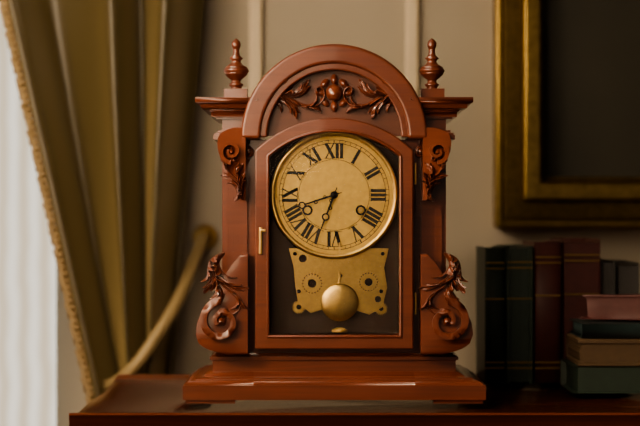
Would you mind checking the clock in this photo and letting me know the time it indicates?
6:42
